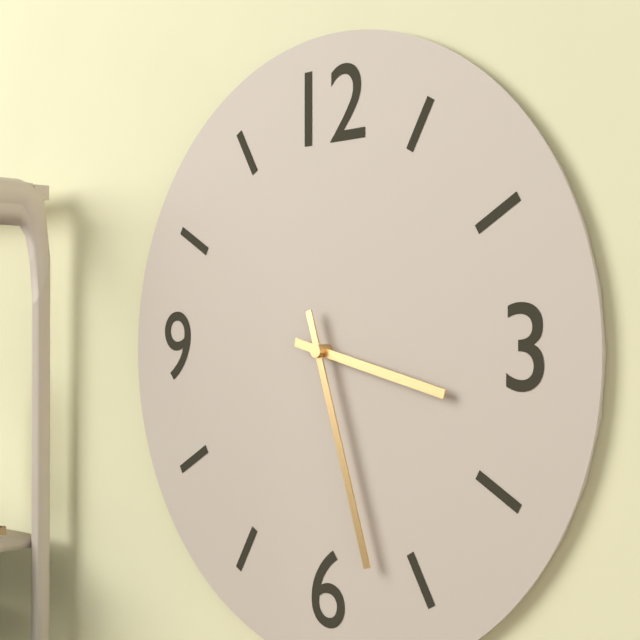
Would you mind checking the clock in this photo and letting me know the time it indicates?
3:27
